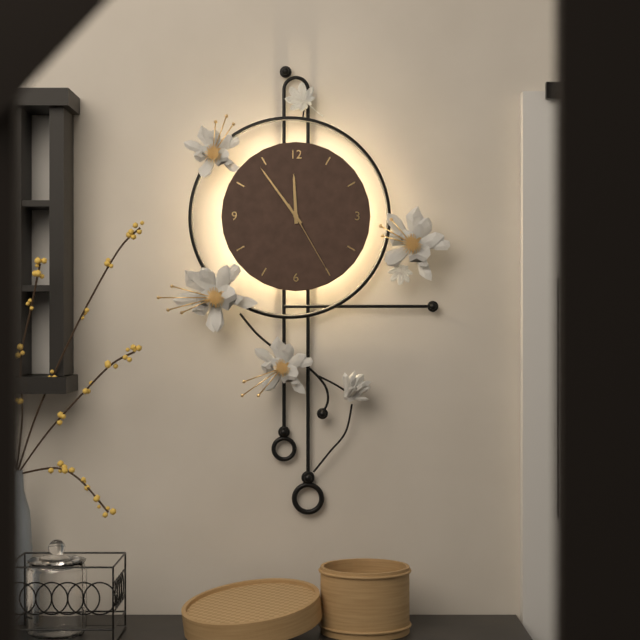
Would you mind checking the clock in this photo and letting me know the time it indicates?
11:54:25
